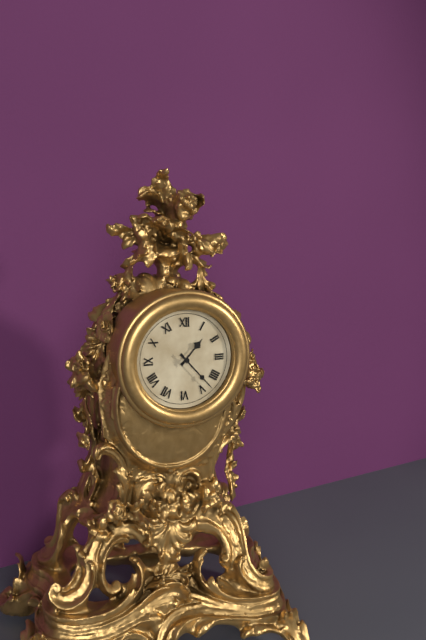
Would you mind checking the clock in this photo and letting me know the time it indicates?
1:23
